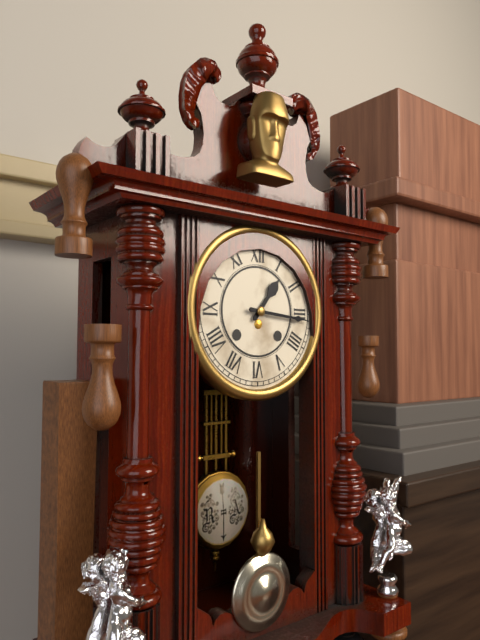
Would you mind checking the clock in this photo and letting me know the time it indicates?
1:16
